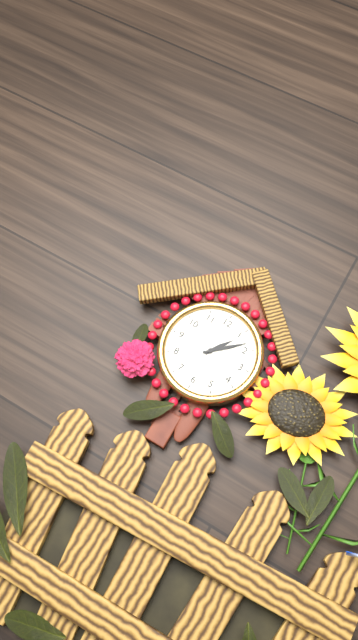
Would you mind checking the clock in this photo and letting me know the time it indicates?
1:08
